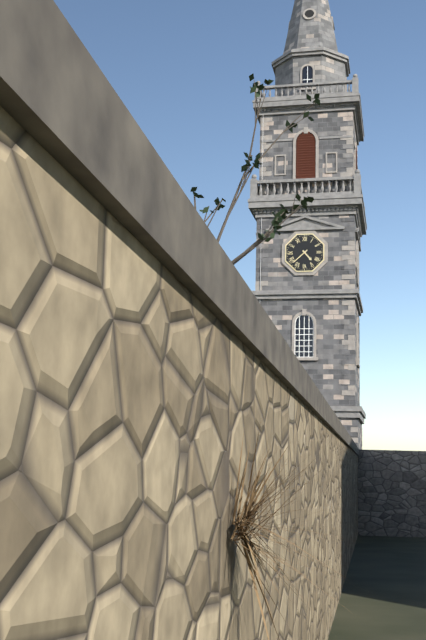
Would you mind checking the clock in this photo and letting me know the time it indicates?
4:38
